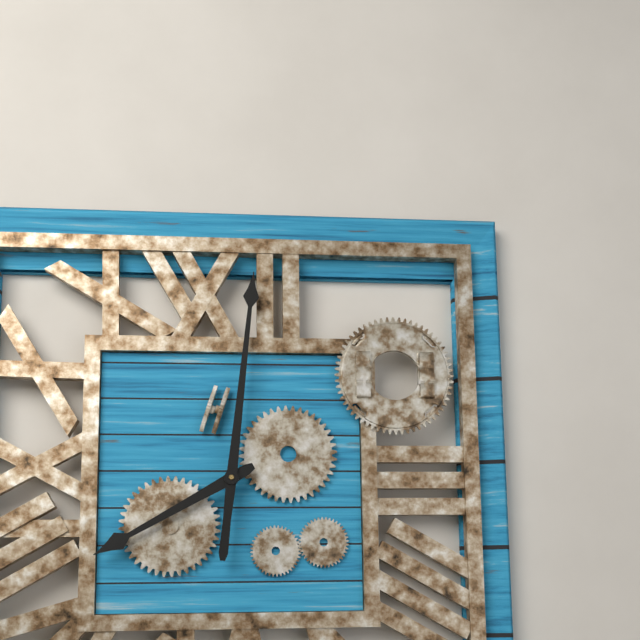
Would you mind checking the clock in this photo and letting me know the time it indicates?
8:01
